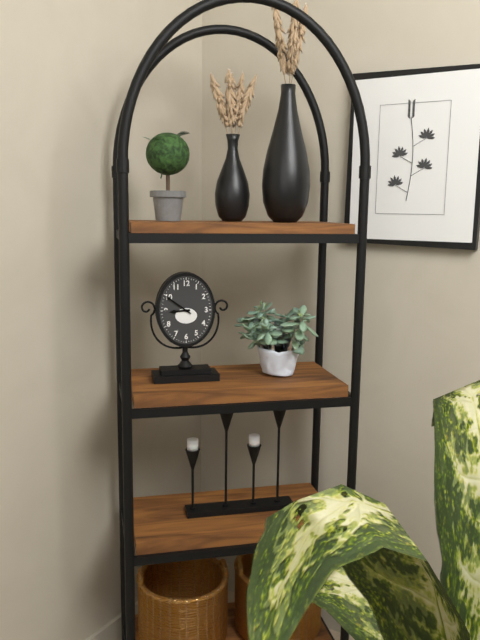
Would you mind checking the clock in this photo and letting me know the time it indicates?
8:51
